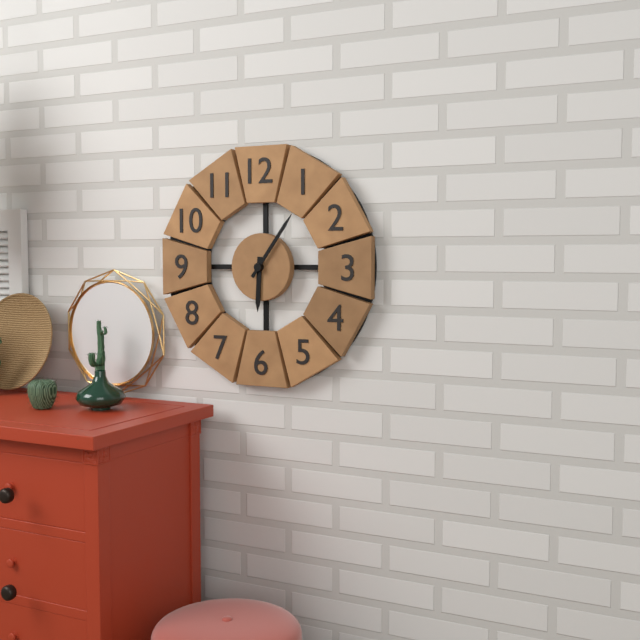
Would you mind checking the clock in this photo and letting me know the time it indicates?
6:06
